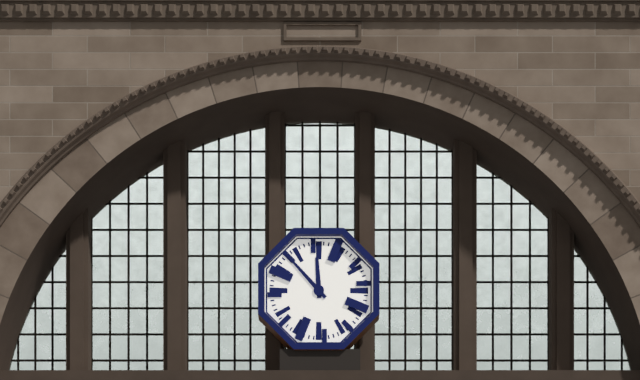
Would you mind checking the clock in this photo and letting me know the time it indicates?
11:53
